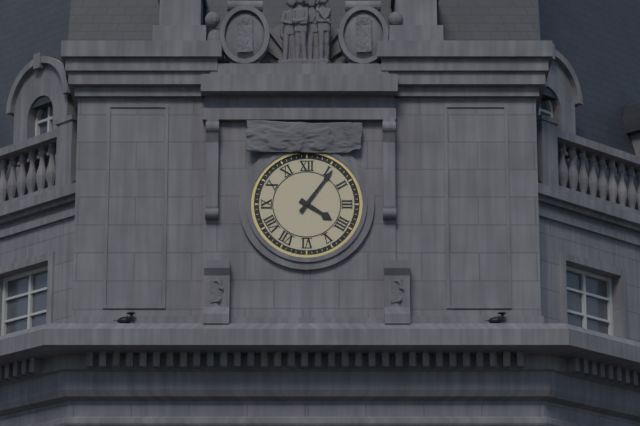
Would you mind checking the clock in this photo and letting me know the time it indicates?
4:06
